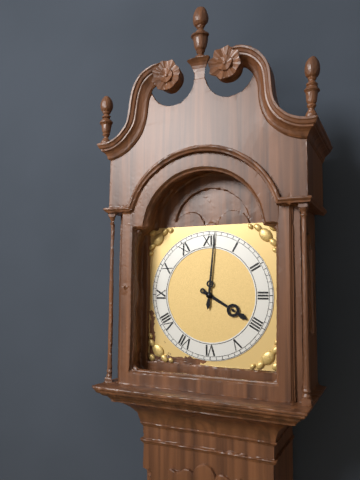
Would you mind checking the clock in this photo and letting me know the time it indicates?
4:01
